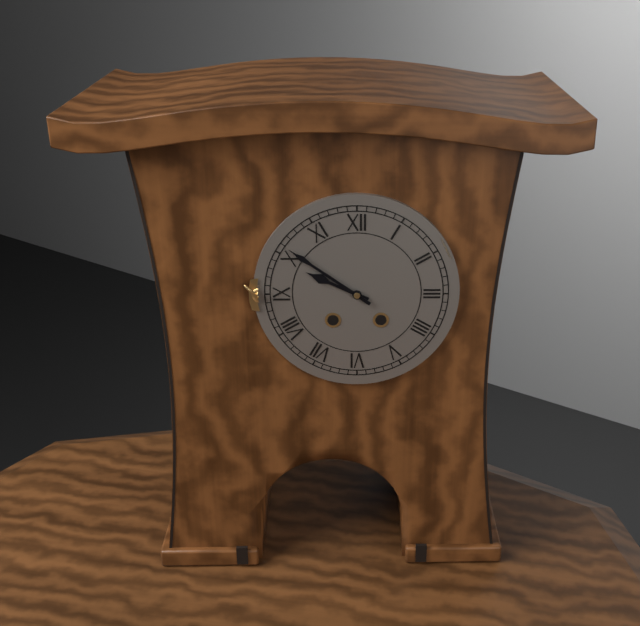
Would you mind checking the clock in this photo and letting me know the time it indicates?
9:51
